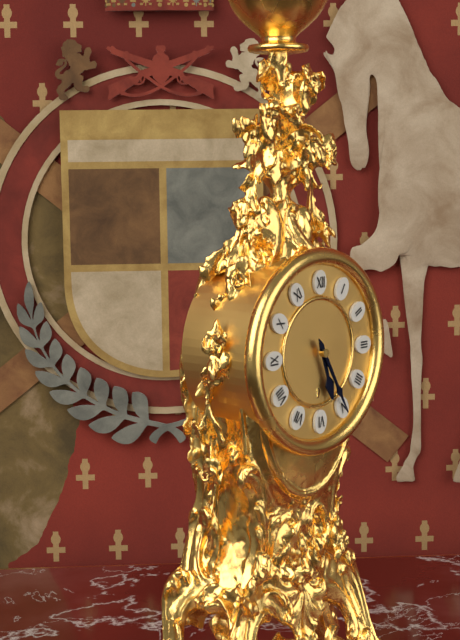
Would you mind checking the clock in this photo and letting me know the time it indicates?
5:25
